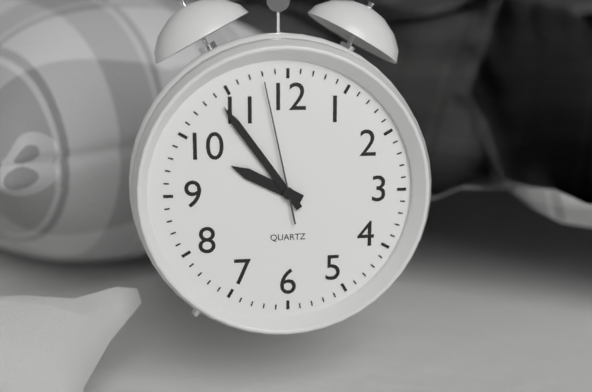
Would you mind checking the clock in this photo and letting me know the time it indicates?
9:54:58
